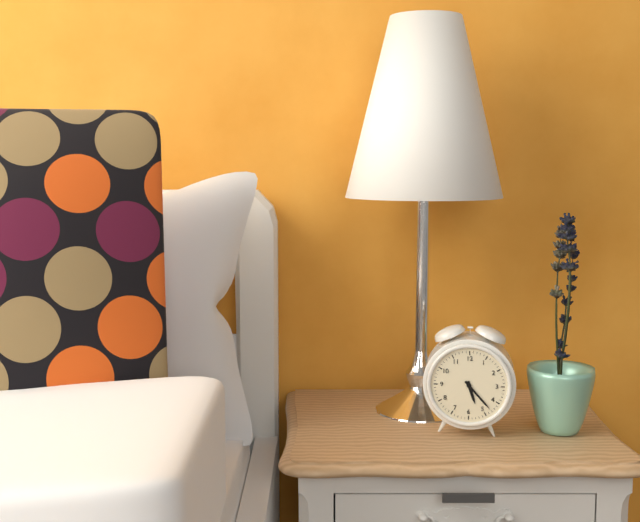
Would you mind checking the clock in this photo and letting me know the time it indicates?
5:23
